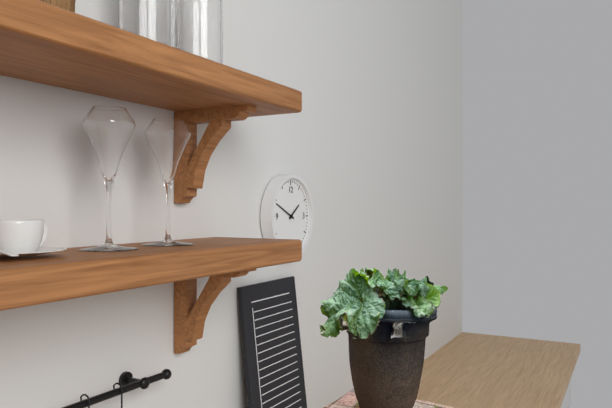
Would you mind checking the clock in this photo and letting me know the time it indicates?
1:49
